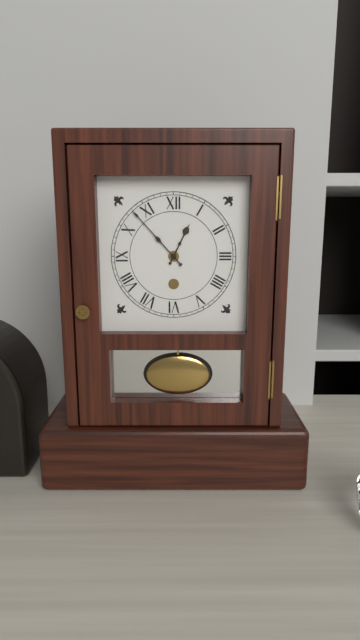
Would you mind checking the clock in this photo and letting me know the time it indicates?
12:53
